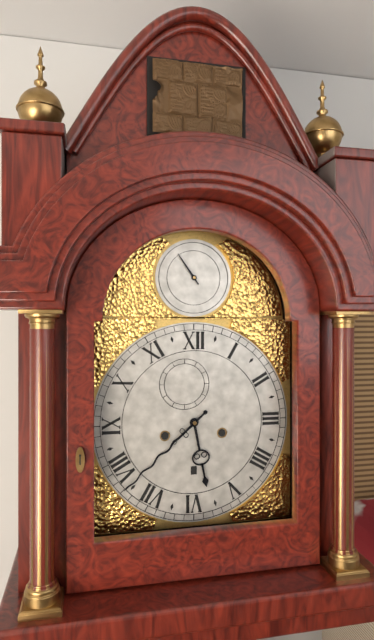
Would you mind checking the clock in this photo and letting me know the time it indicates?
5:38
